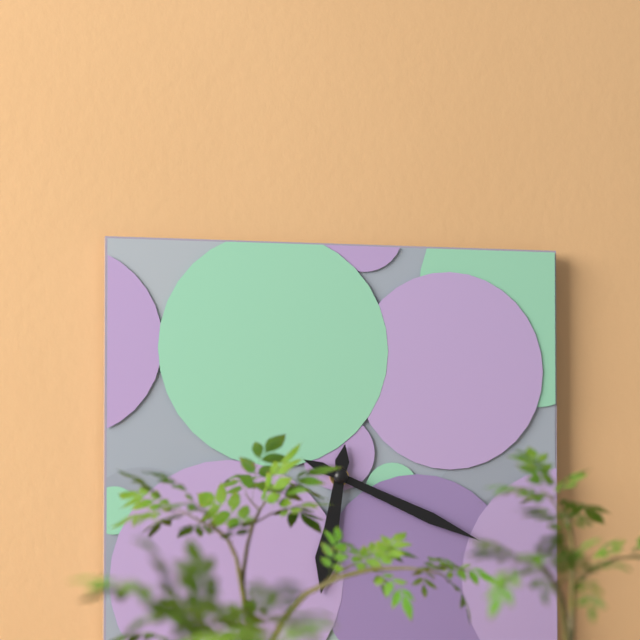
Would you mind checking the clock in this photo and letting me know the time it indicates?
6:19
